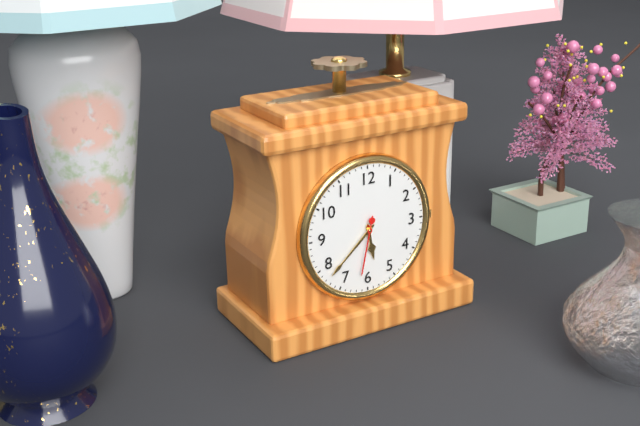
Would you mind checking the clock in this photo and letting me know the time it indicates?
5:38:32
